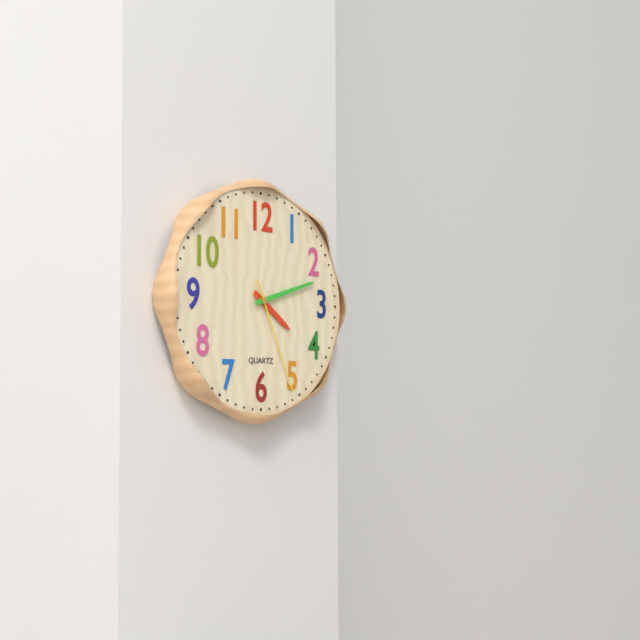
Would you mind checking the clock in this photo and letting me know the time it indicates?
4:12:26
